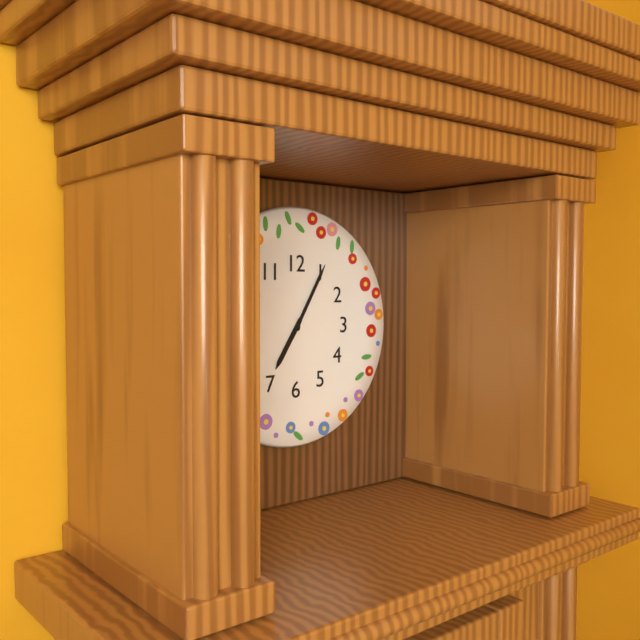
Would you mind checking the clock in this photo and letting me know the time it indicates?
7:05
